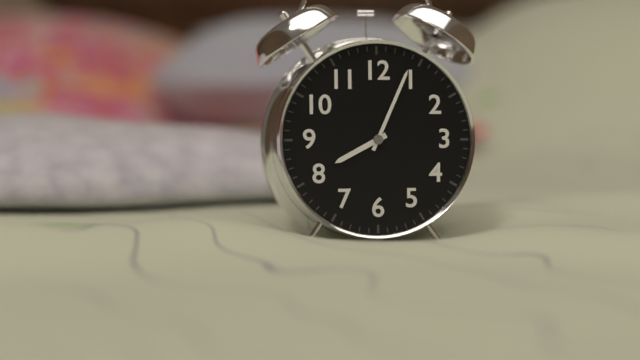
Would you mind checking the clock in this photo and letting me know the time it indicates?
8:04
